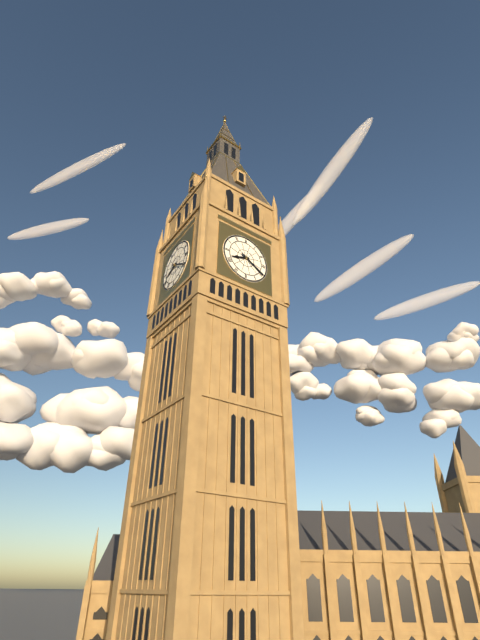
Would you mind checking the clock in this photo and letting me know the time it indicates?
8:20
